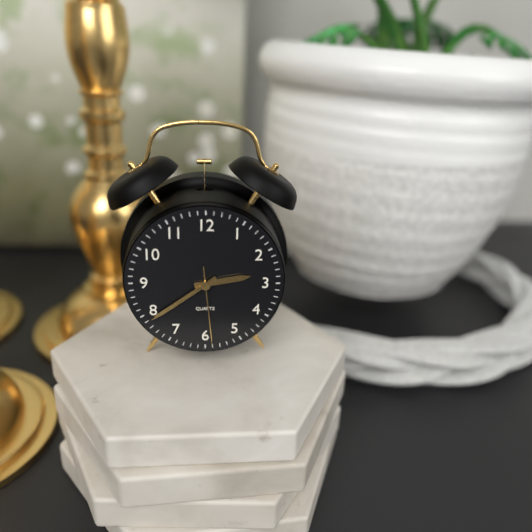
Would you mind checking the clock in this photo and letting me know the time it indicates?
2:39:29
